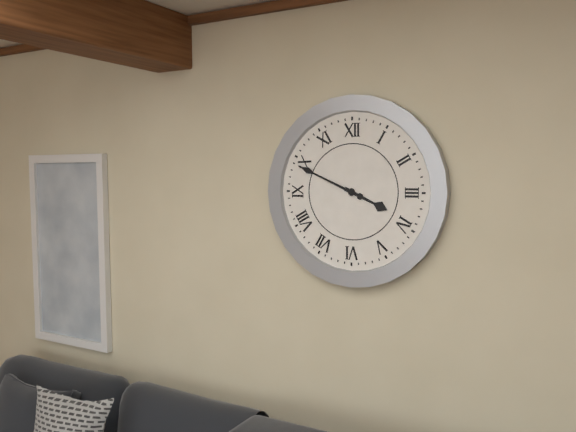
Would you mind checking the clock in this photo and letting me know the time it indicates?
3:49
